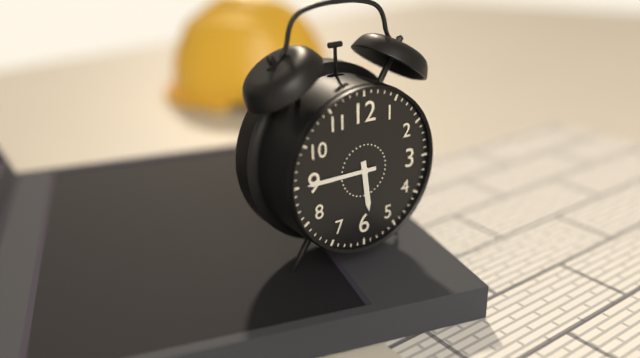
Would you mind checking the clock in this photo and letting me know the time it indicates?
5:45
